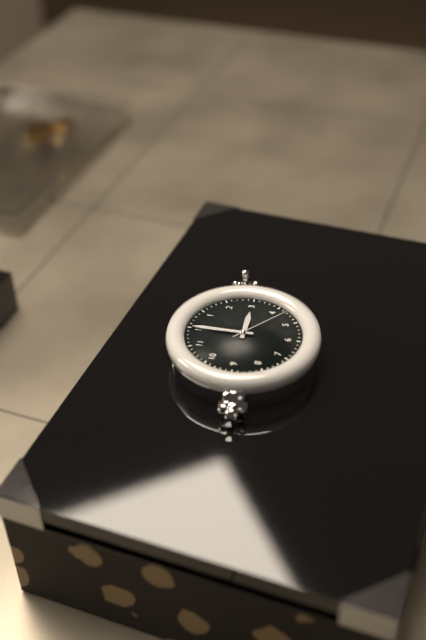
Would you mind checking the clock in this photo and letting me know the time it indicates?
3:00:22
